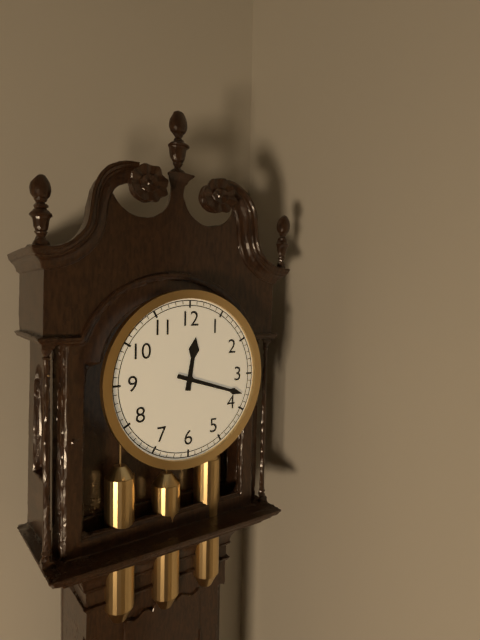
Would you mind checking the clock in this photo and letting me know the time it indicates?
12:18
